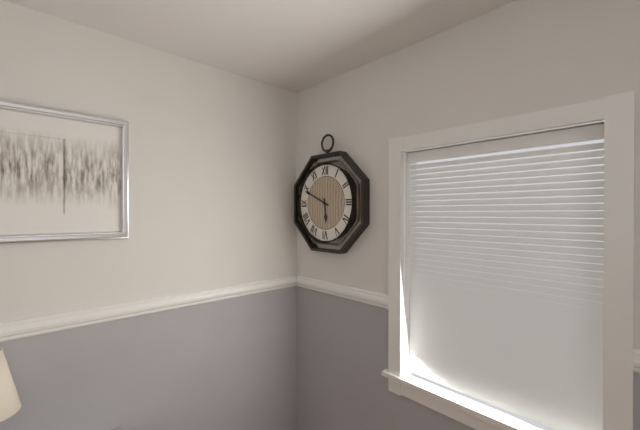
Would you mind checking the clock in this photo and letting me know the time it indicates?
5:49
